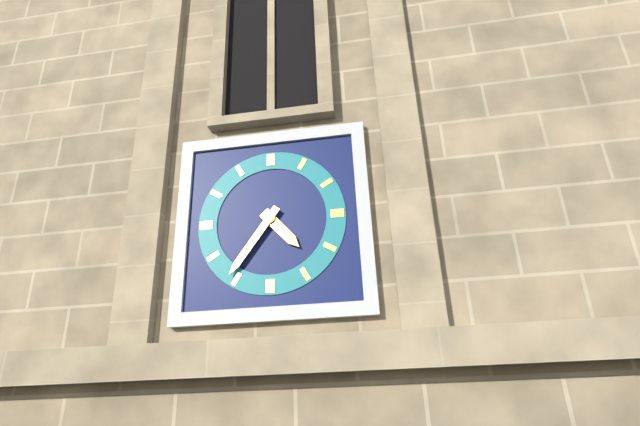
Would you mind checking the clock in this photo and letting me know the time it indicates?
4:36
